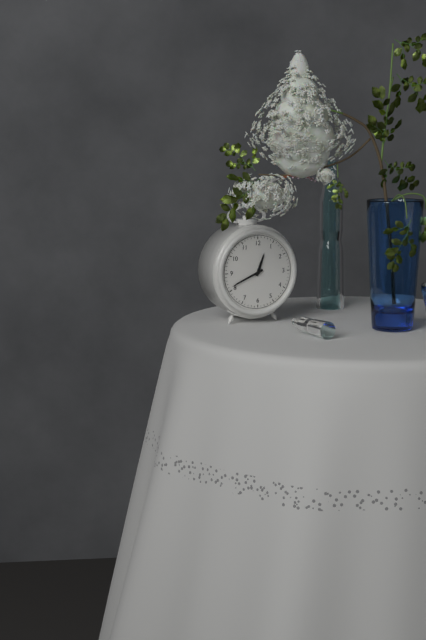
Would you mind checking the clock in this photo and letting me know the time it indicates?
12:41
